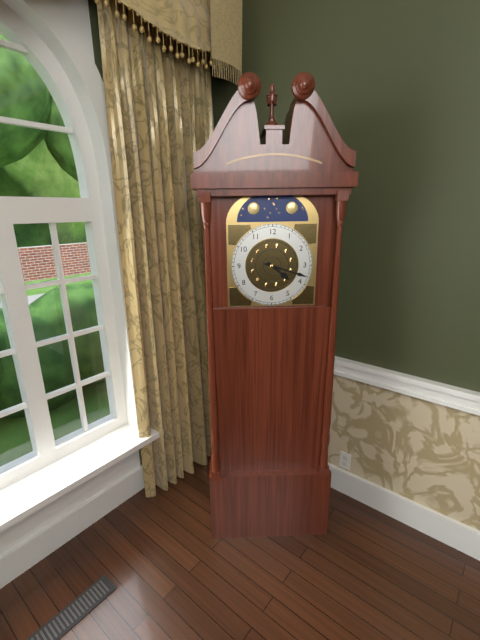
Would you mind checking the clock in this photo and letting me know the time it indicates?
4:18
